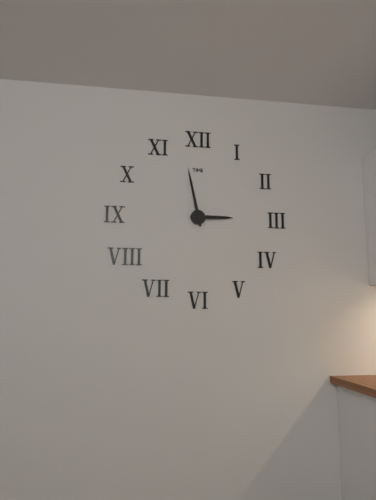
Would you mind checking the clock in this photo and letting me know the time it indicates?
2:58
